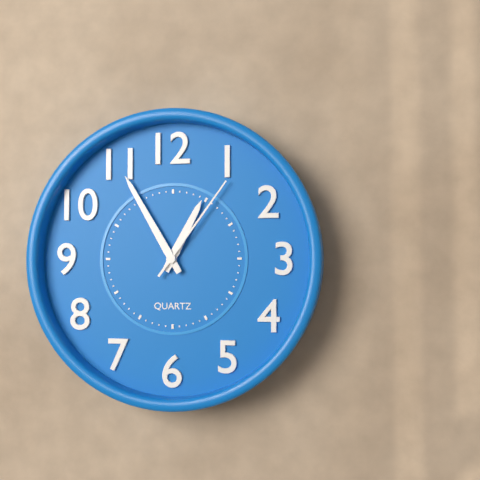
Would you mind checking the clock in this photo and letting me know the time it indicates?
12:55:06
